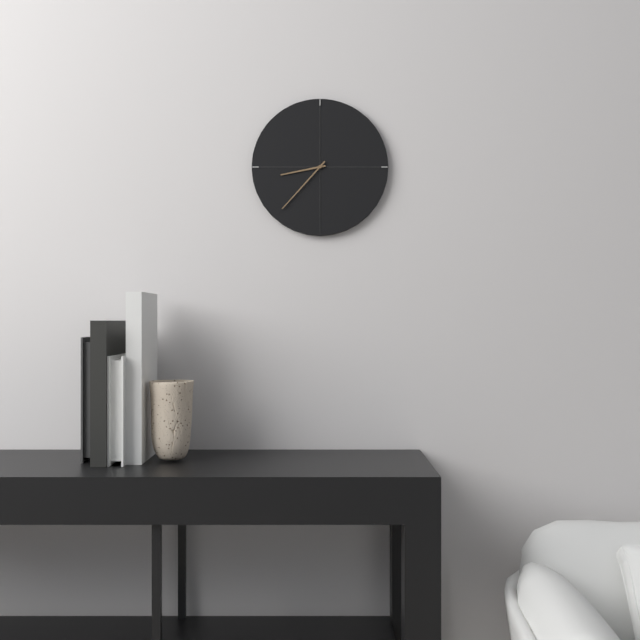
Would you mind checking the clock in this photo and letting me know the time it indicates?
8:37
